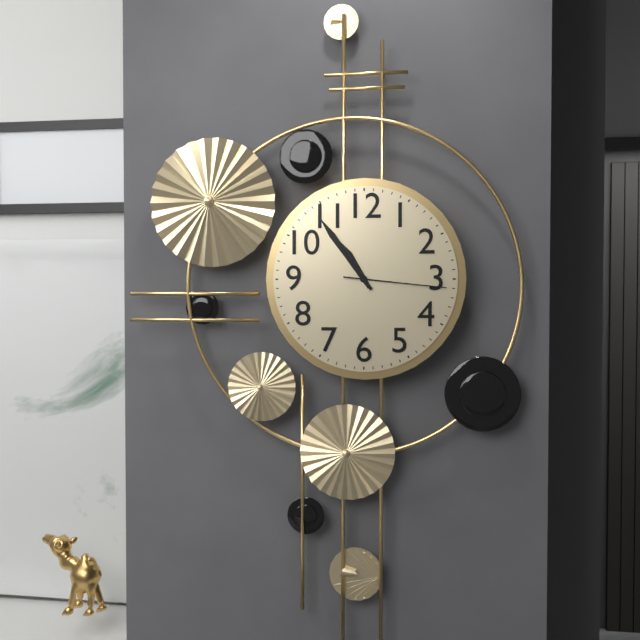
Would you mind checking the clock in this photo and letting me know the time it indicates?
10:54:16
